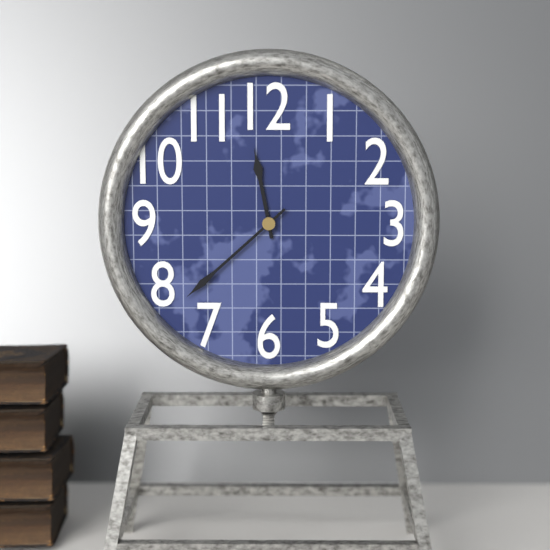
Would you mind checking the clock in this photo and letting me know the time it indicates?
11:38
